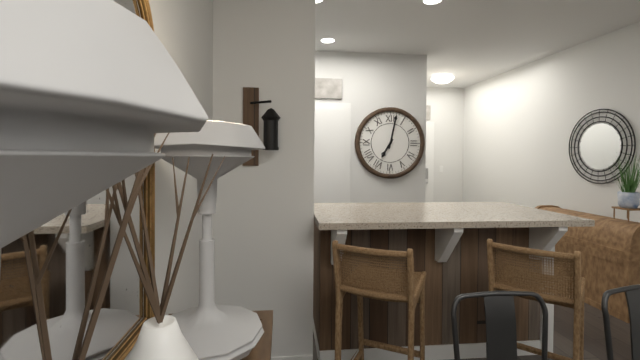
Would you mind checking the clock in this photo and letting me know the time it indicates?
7:02
